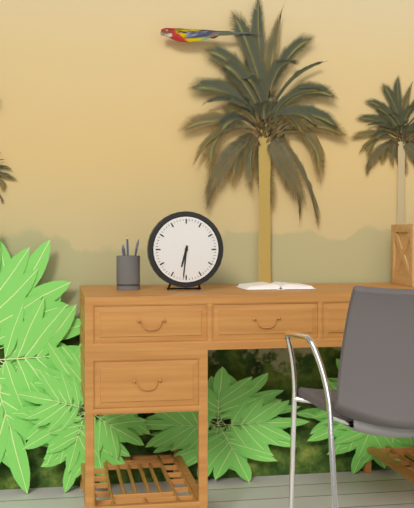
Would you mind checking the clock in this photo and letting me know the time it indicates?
6:31
